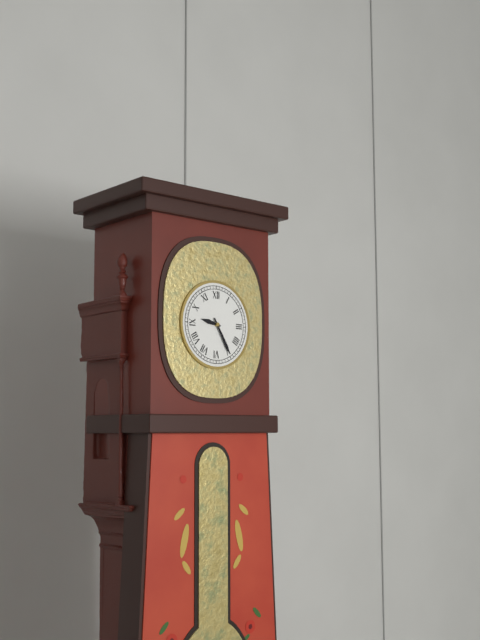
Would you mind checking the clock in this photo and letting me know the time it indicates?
9:25
